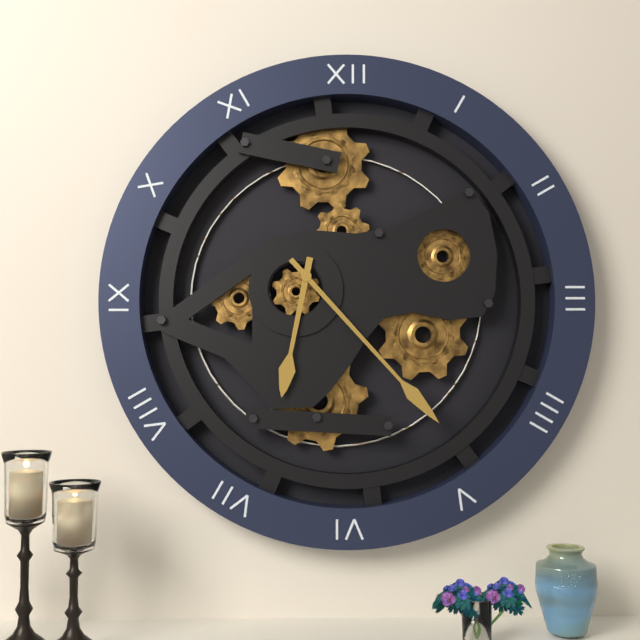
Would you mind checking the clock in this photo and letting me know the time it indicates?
6:23
